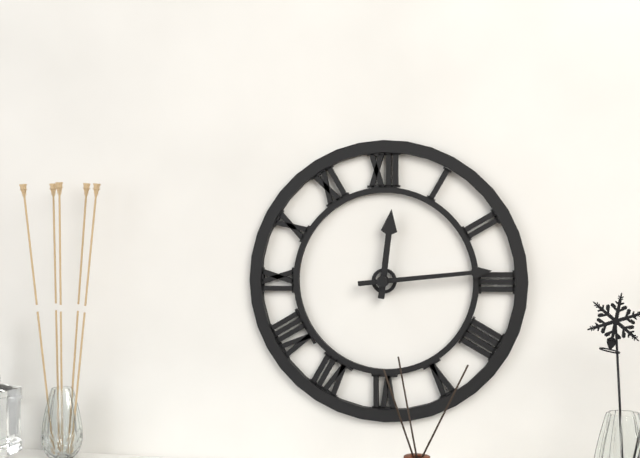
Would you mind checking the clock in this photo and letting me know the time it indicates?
12:14
